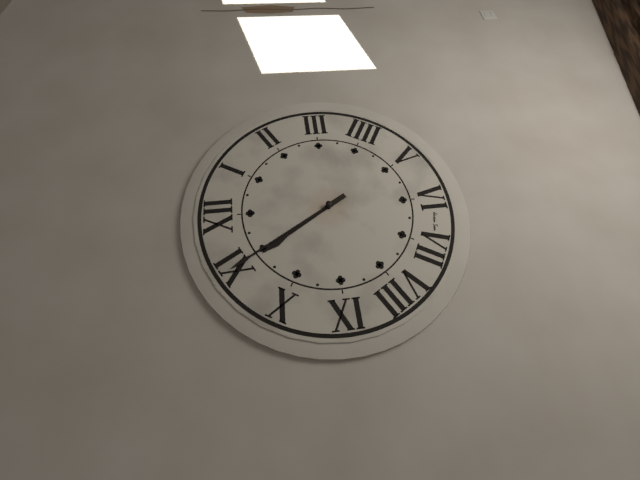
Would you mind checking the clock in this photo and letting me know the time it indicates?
10:55
